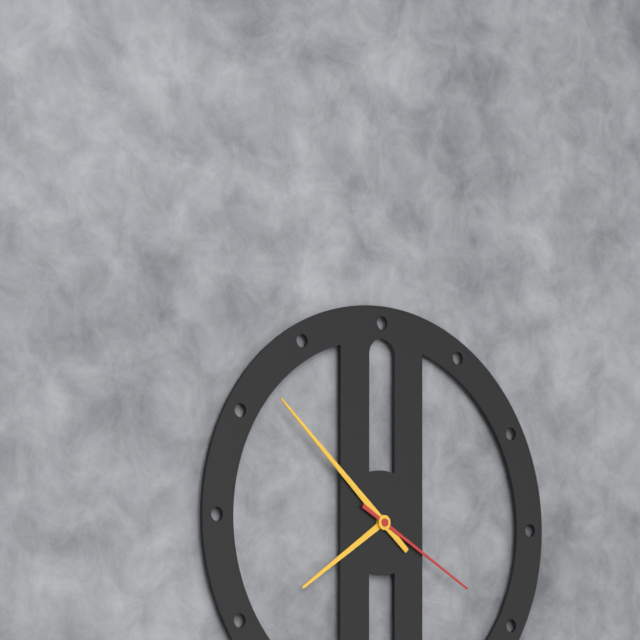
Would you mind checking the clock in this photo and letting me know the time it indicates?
7:52:20
